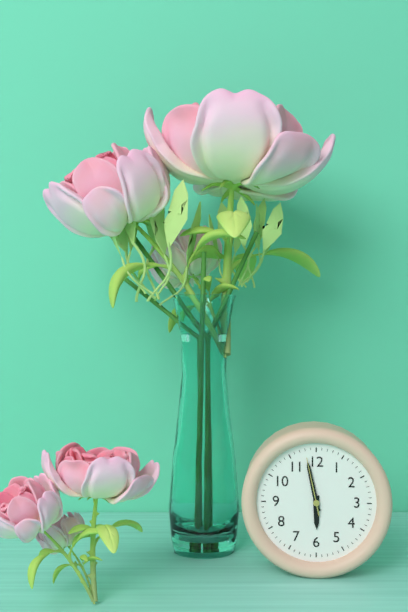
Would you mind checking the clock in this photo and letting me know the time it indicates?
5:58:58
